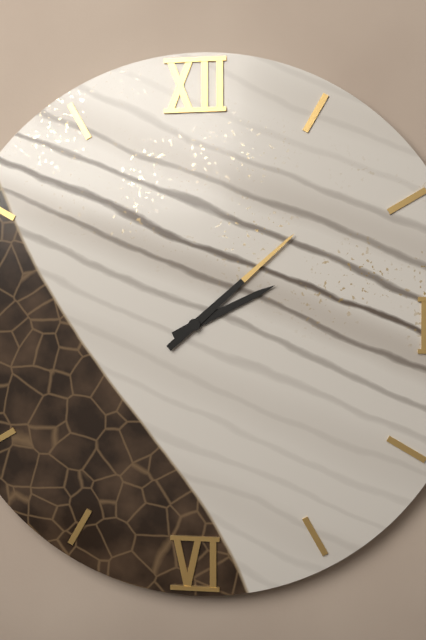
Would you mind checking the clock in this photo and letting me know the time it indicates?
2:08
